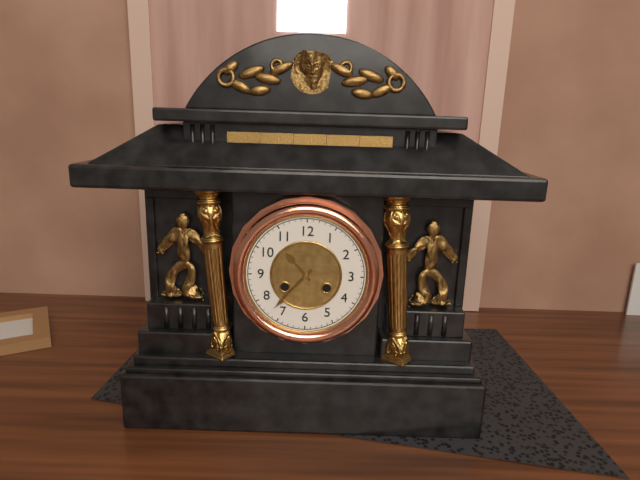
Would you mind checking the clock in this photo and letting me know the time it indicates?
10:37
